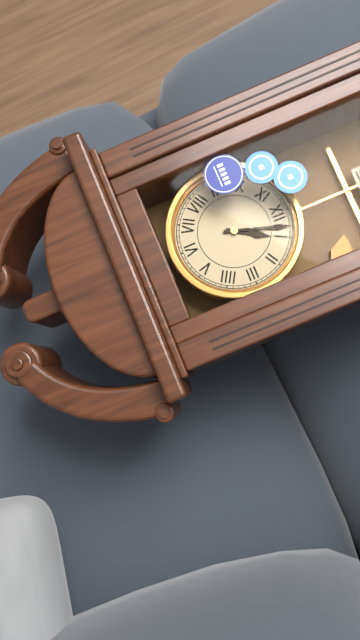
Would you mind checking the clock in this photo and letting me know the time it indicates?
1:03
